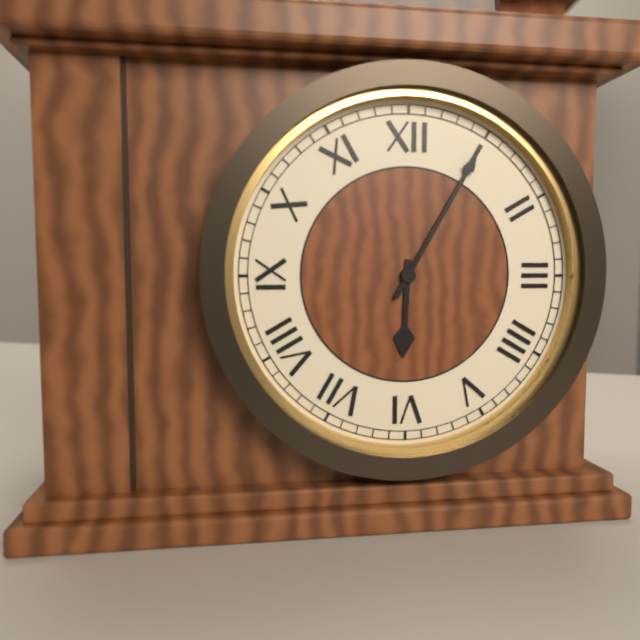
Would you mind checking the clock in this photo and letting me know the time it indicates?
6:05
